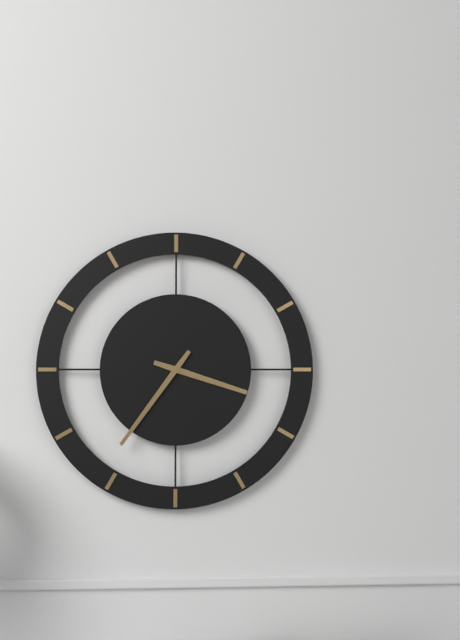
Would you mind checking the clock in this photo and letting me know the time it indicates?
3:36
